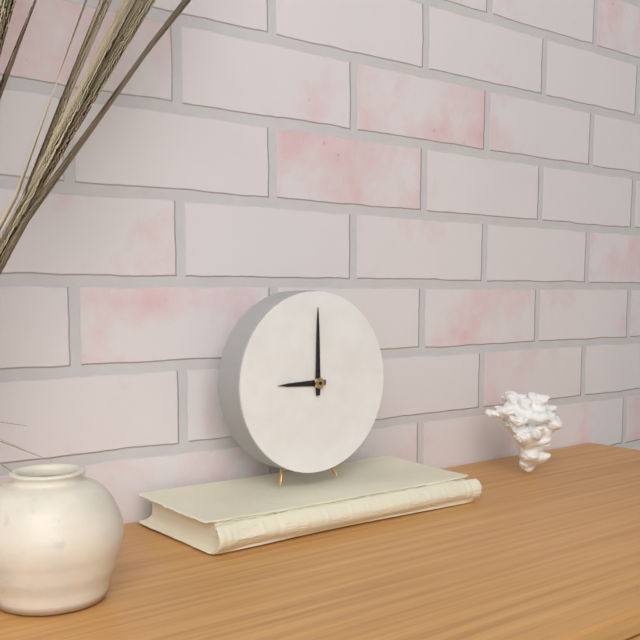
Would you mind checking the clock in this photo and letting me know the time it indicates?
9:00
